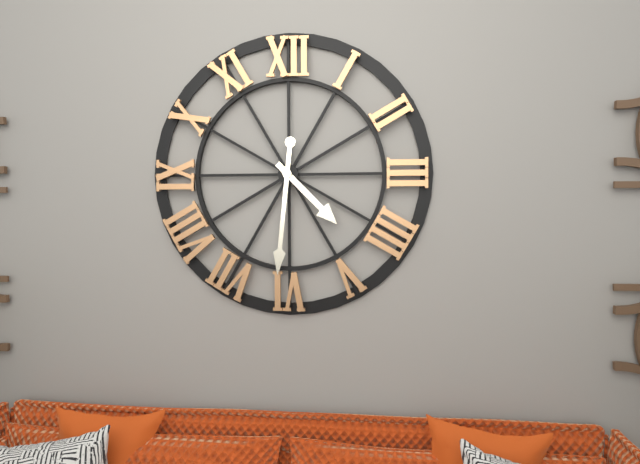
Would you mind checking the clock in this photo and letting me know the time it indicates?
4:31
